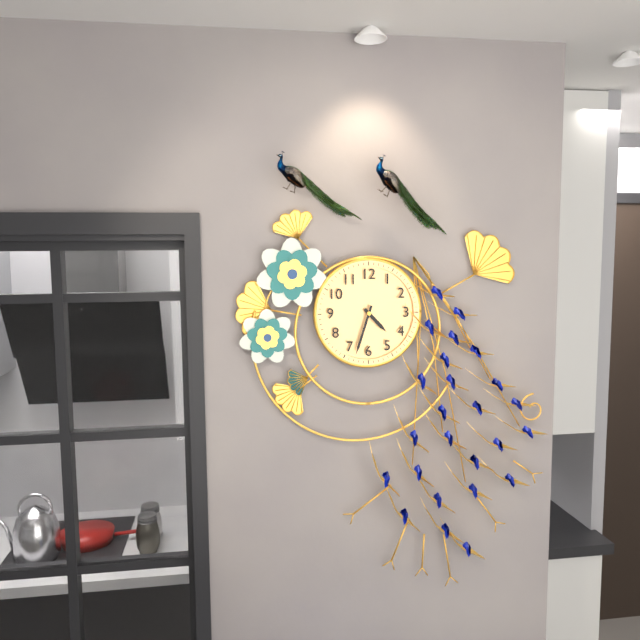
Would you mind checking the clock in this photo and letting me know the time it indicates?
4:33
